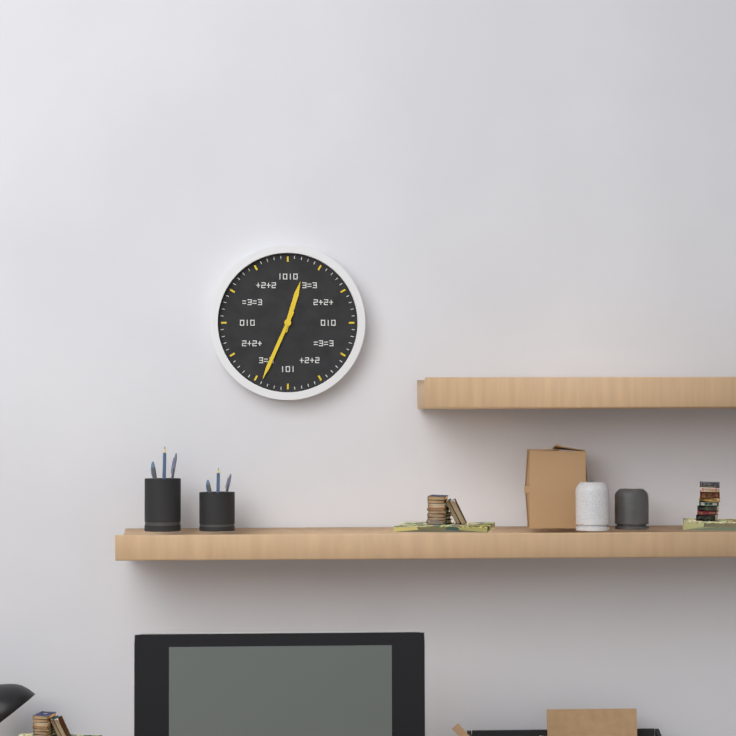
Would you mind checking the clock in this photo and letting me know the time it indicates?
12:34
